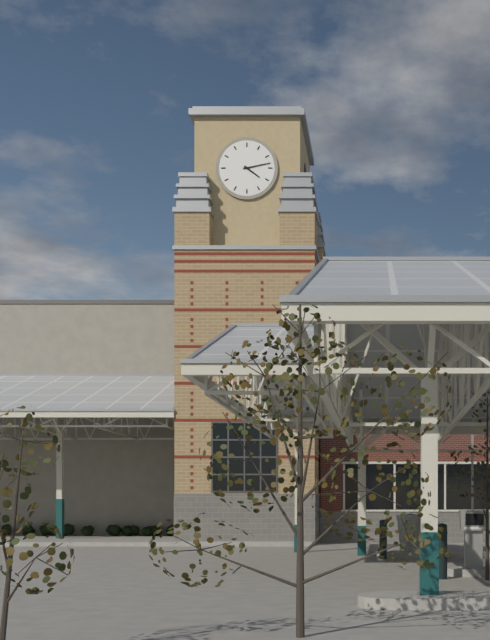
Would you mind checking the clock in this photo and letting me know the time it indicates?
4:13
